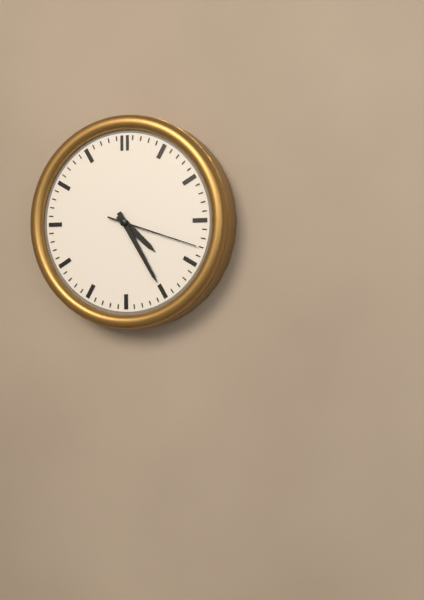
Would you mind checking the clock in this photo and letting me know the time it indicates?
4:25:18
